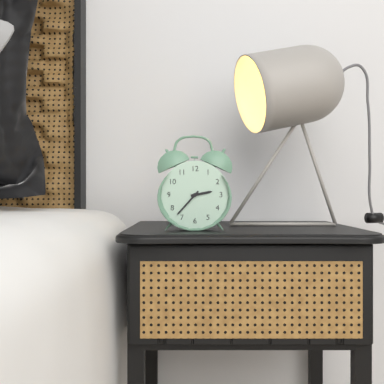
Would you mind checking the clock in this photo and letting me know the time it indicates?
2:37
